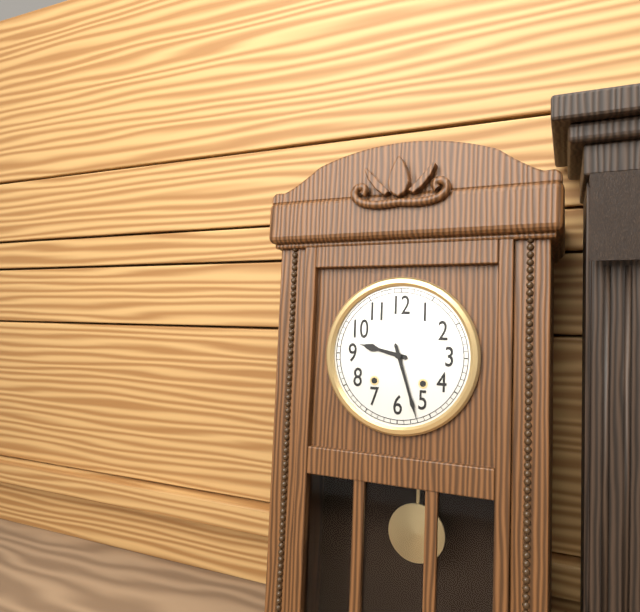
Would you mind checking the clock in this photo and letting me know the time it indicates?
9:27
